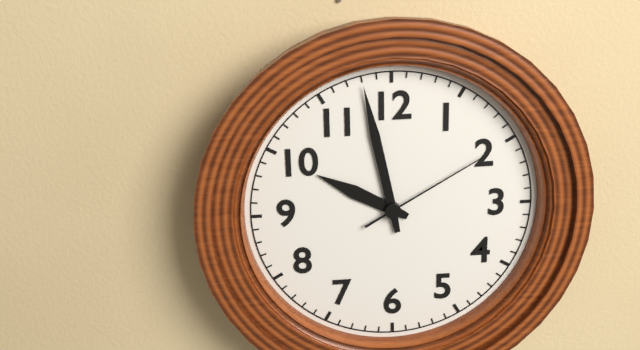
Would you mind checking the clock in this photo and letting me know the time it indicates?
9:58:10
